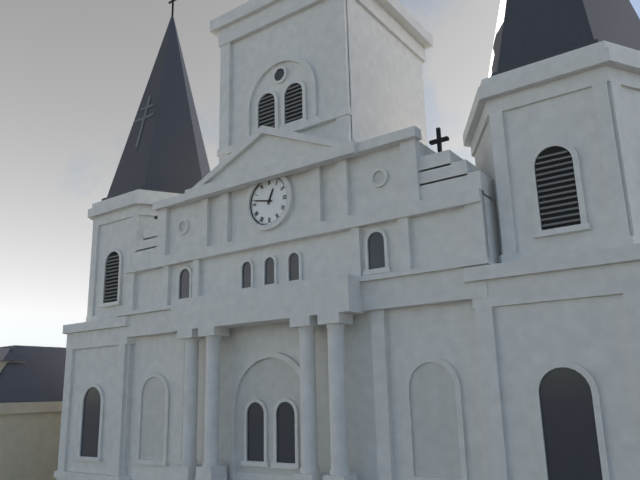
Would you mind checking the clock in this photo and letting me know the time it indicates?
12:47
